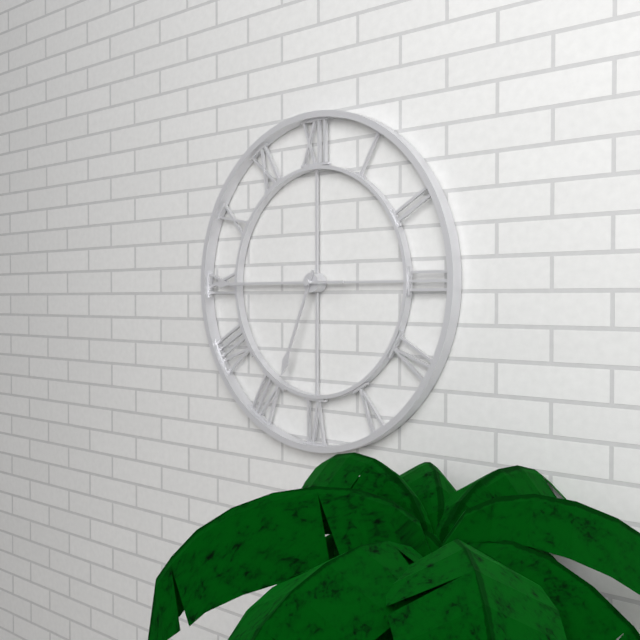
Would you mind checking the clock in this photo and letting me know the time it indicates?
6:45
